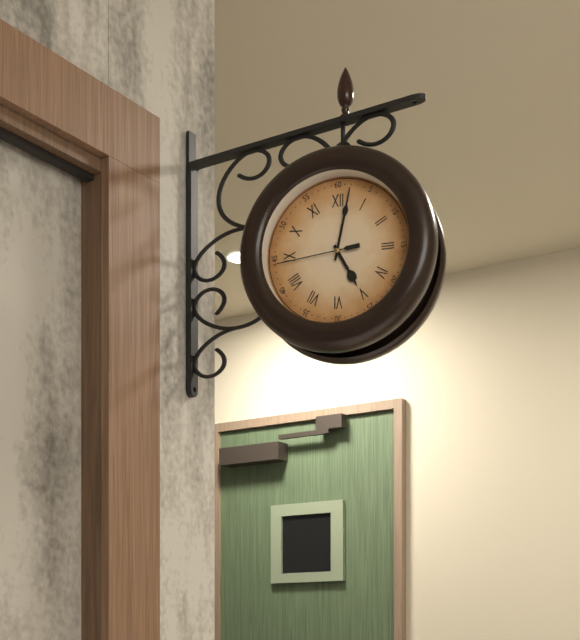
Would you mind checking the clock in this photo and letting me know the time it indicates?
5:02:44
